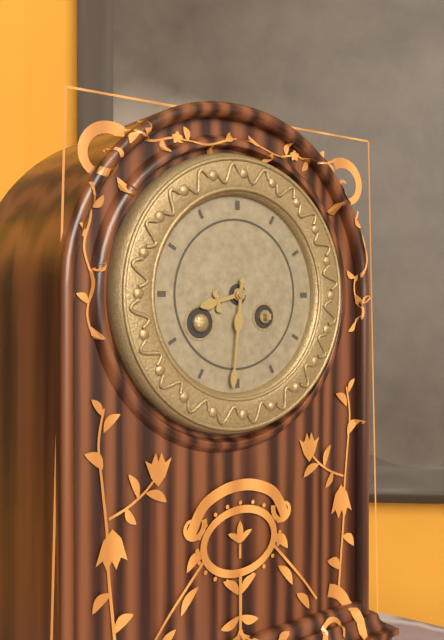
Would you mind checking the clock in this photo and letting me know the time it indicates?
8:31
